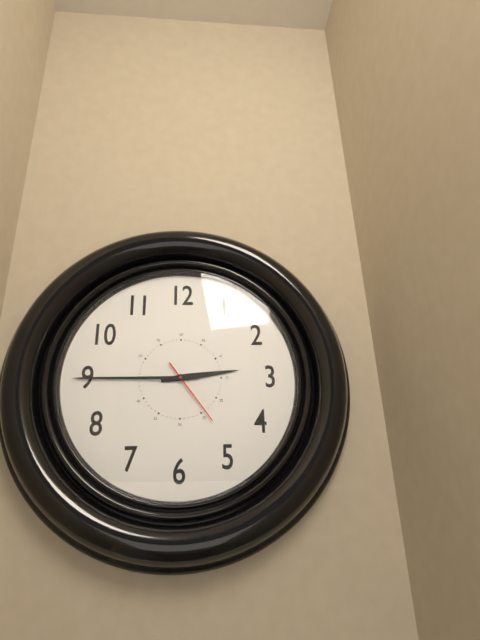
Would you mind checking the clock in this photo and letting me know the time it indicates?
2:45:24
